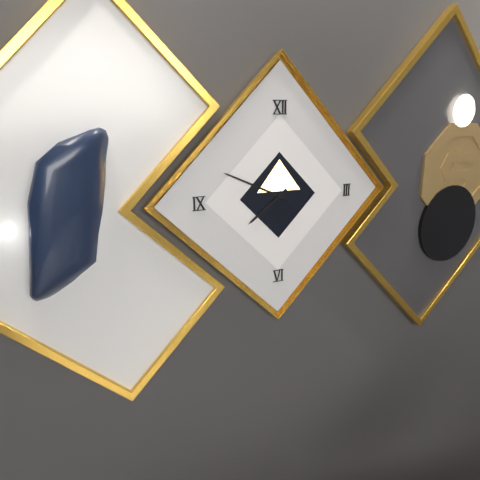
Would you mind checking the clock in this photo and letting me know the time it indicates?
7:49
